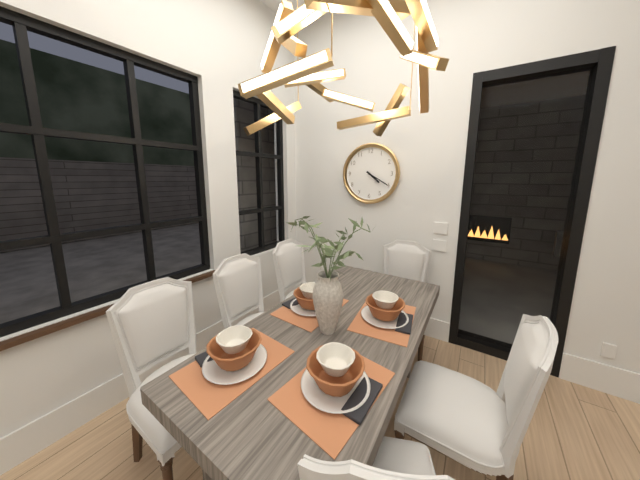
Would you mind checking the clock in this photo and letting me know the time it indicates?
4:20
